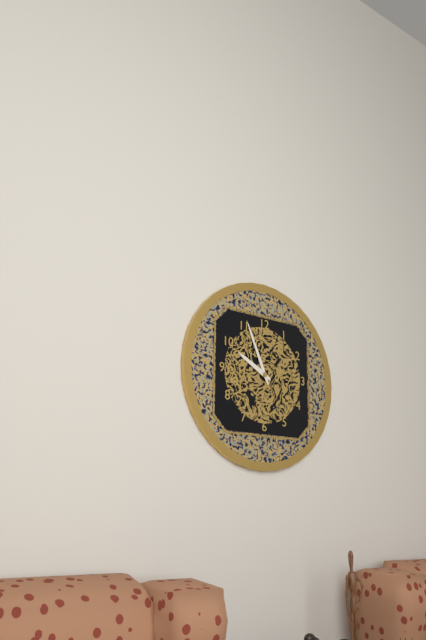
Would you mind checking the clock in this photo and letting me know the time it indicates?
9:56
